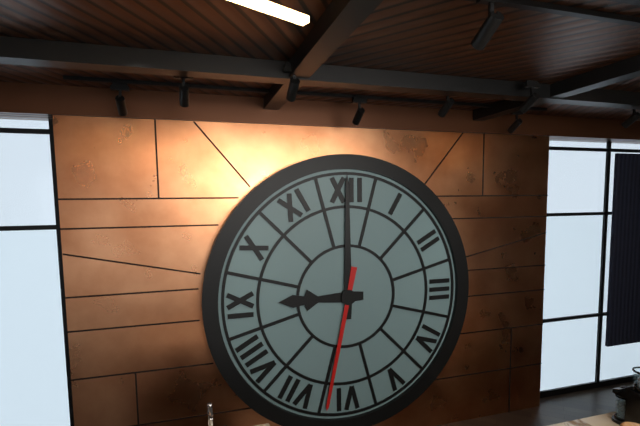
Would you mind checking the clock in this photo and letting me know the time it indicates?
9:00:32
